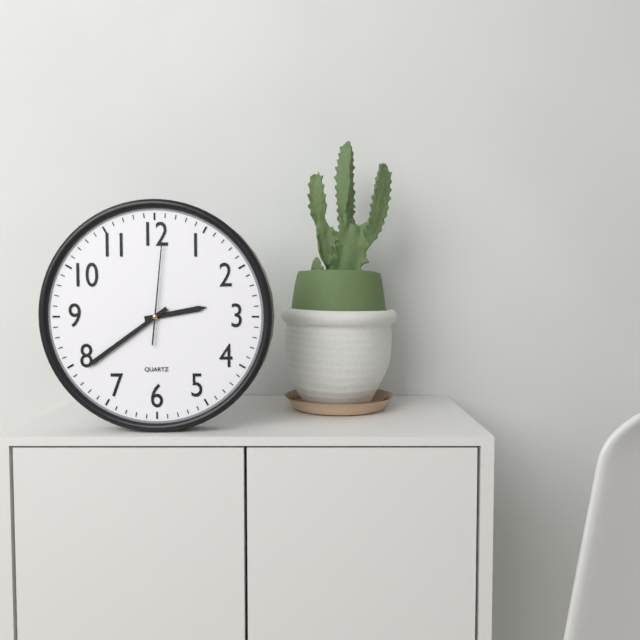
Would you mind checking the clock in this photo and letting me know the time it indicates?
2:39:01
